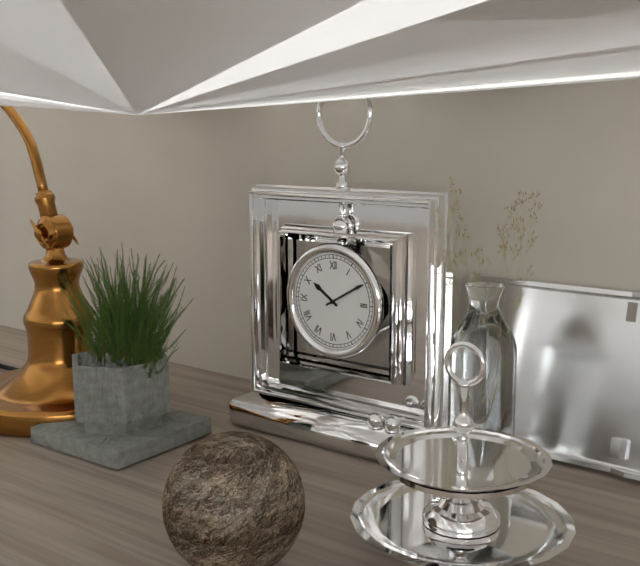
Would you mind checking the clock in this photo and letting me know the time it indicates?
10:10
